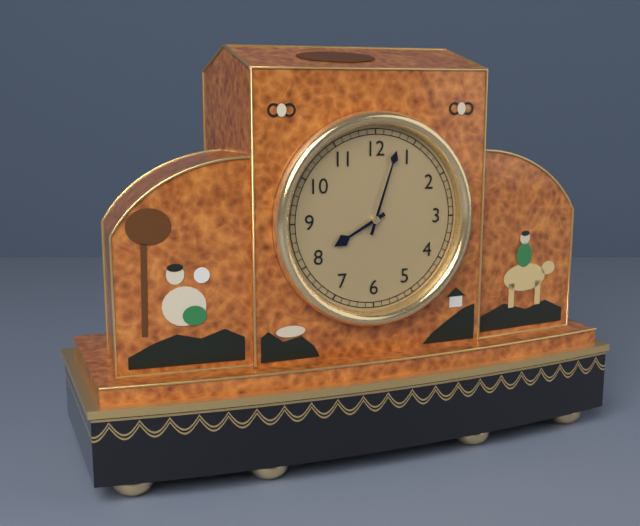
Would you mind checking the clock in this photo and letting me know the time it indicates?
8:03
